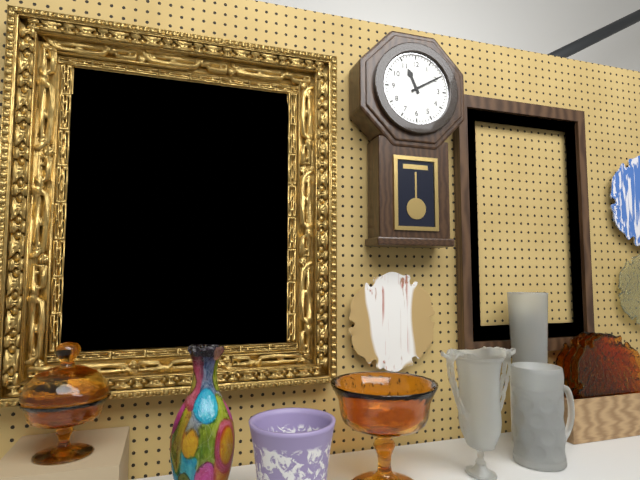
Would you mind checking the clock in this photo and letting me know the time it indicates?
11:10
